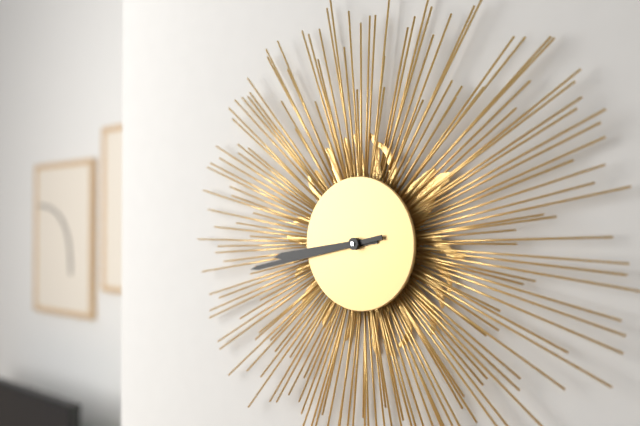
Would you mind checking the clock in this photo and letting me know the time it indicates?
8:43
